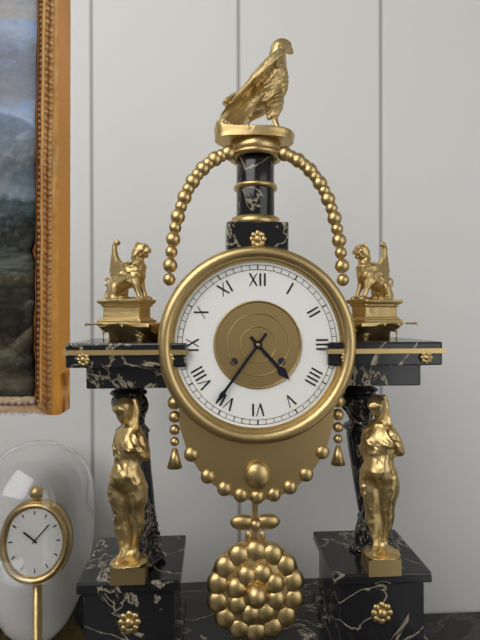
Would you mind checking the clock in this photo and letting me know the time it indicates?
4:36
